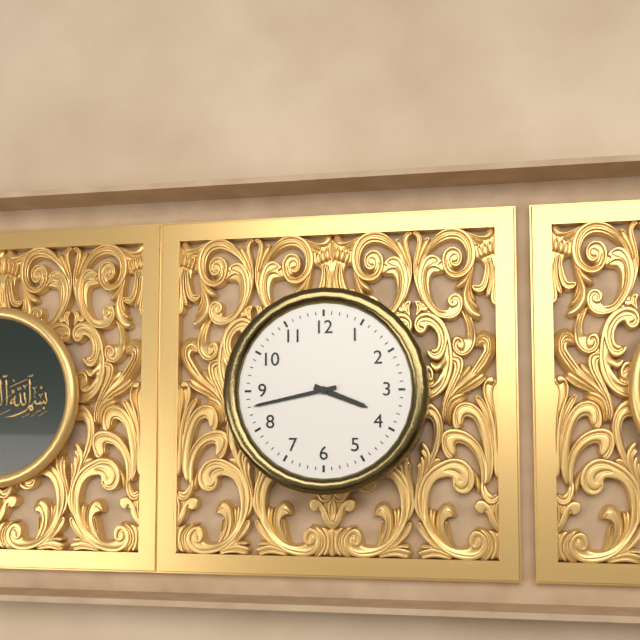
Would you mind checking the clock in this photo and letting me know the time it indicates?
3:43
